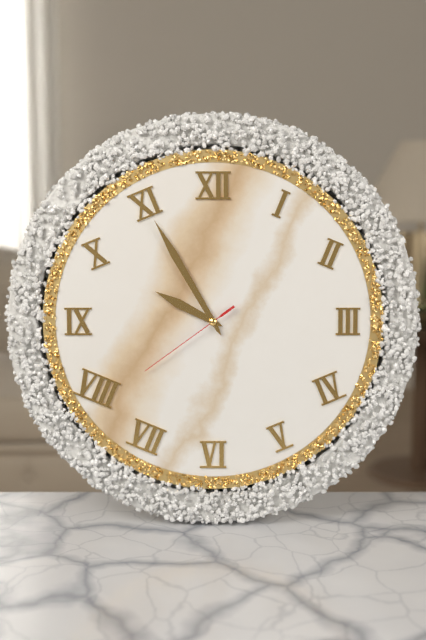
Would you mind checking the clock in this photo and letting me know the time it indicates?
9:55:39
